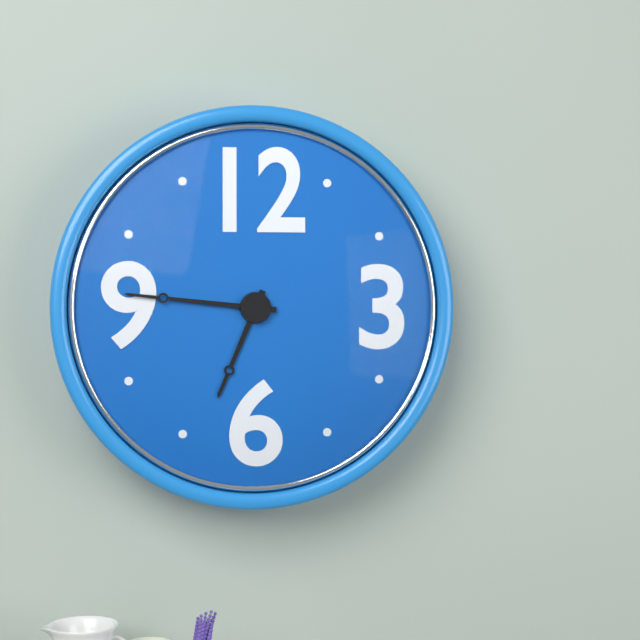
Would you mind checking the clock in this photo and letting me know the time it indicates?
6:46
